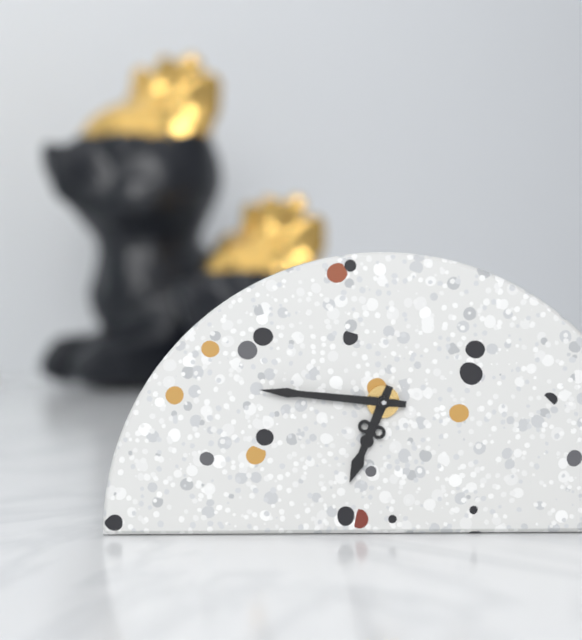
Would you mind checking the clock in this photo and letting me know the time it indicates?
6:46
